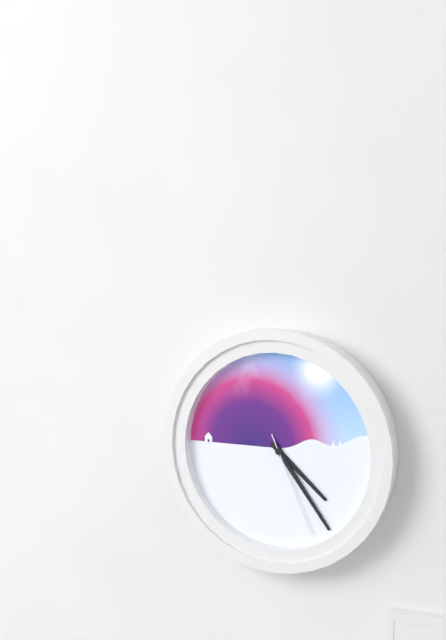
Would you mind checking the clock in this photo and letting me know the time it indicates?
4:24:26
